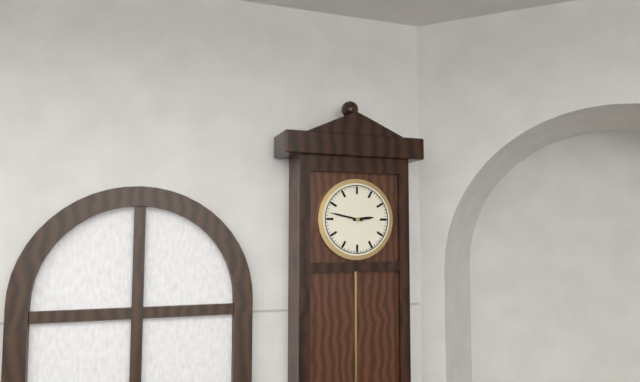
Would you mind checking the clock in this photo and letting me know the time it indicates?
2:47
